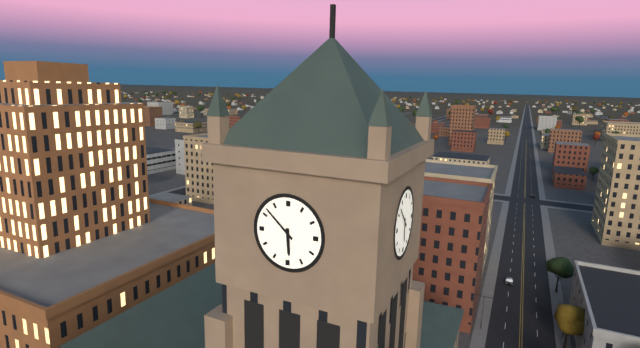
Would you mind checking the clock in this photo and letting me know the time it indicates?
5:52
